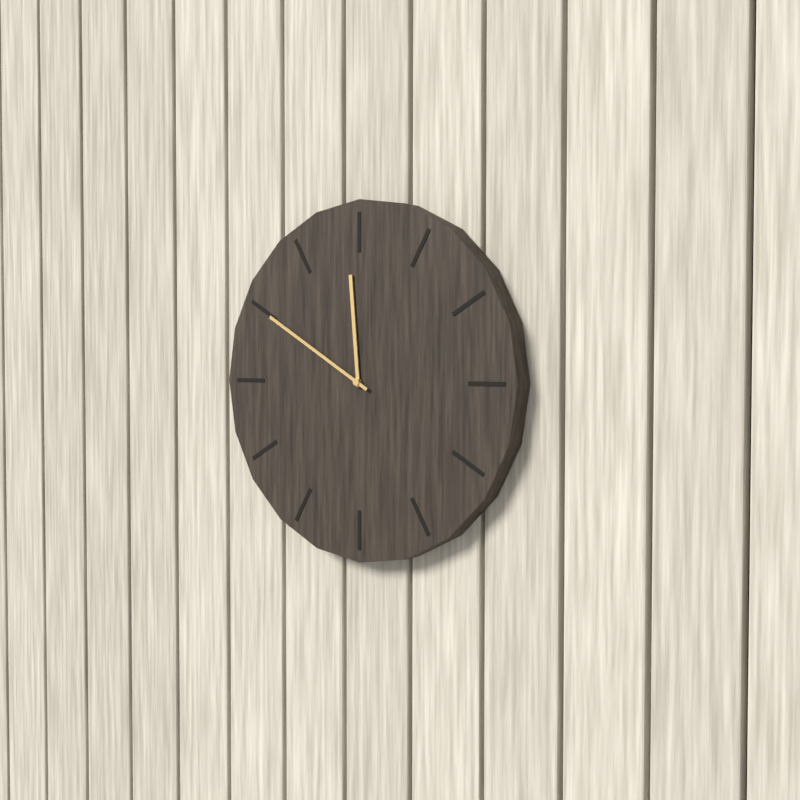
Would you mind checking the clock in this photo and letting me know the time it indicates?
11:50
